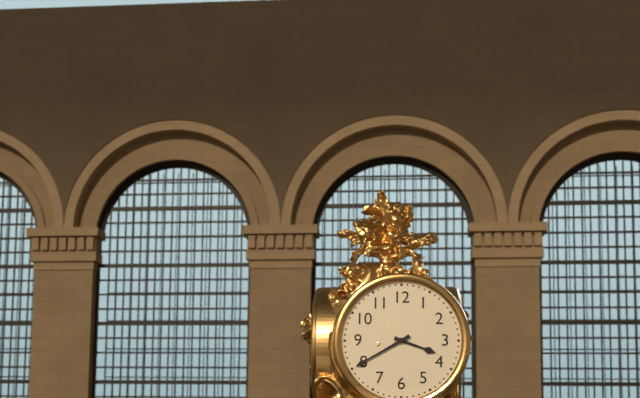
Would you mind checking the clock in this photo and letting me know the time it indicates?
3:40
